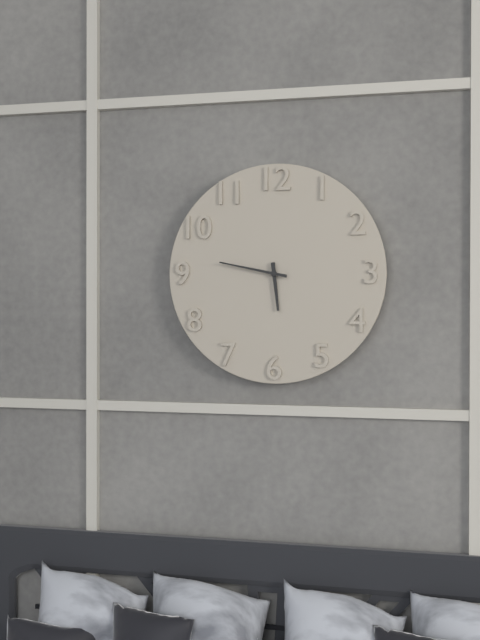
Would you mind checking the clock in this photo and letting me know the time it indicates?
5:47
